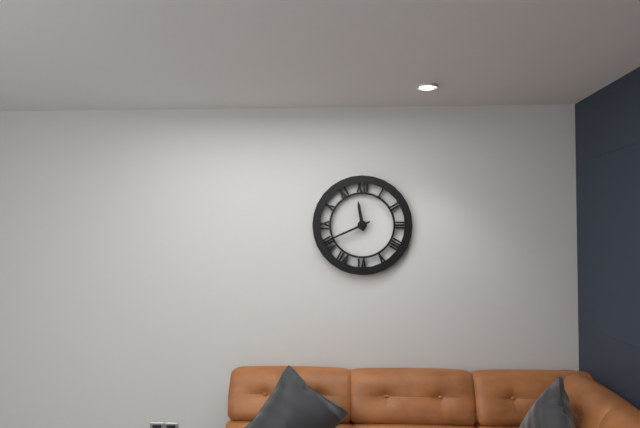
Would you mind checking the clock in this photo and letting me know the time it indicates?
11:41
